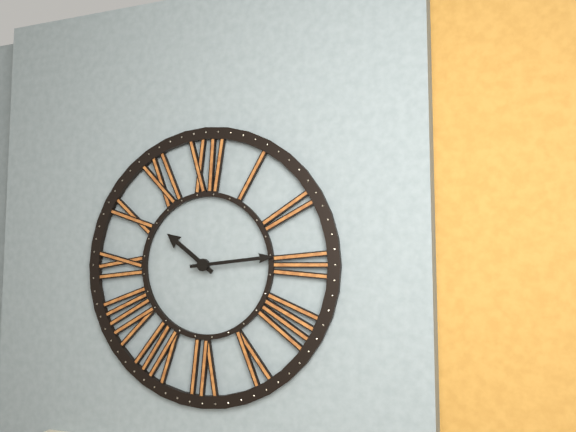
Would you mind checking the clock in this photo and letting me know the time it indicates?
10:14
